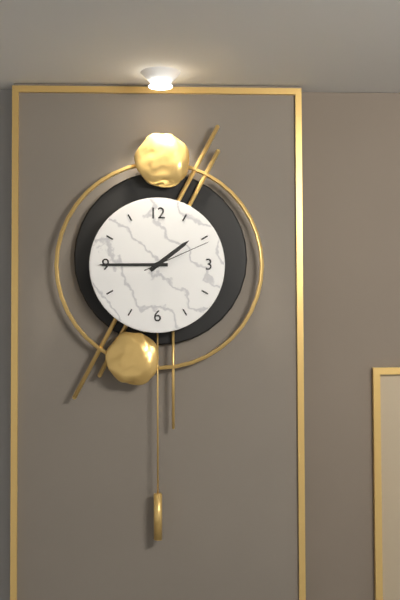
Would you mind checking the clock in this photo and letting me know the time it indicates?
1:45:11
